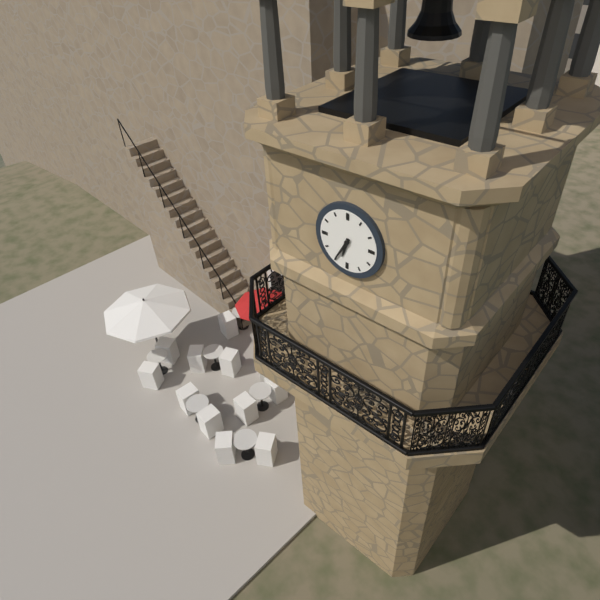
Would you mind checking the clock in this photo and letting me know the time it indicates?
6:35
